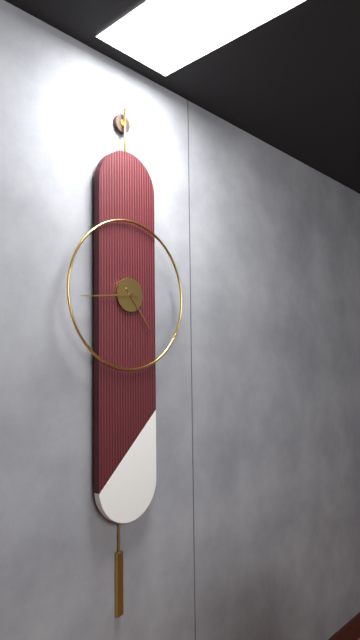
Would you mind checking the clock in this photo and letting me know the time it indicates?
4:44
